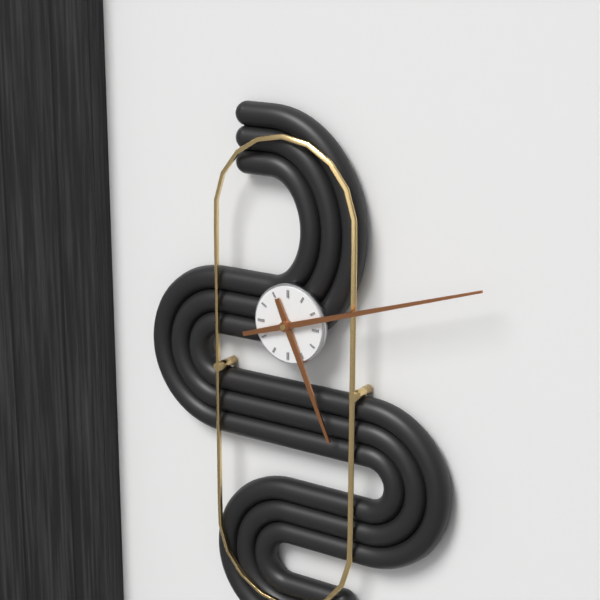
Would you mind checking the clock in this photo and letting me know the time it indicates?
5:12
